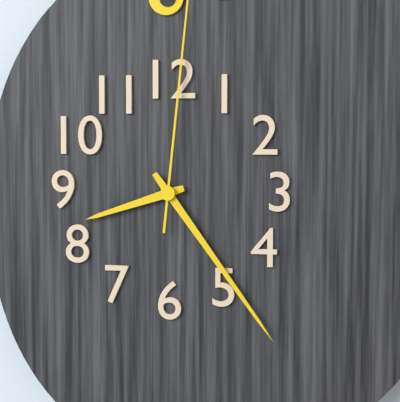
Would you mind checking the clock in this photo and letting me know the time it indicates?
8:24
